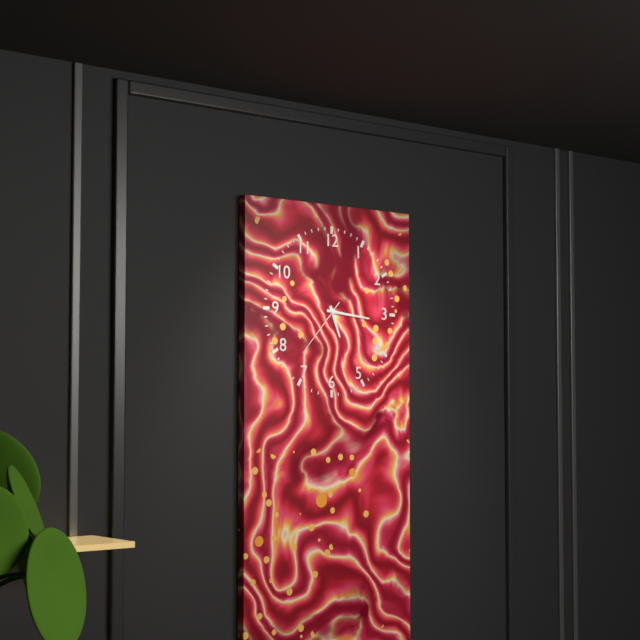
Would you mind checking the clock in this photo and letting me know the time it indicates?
5:16:37
